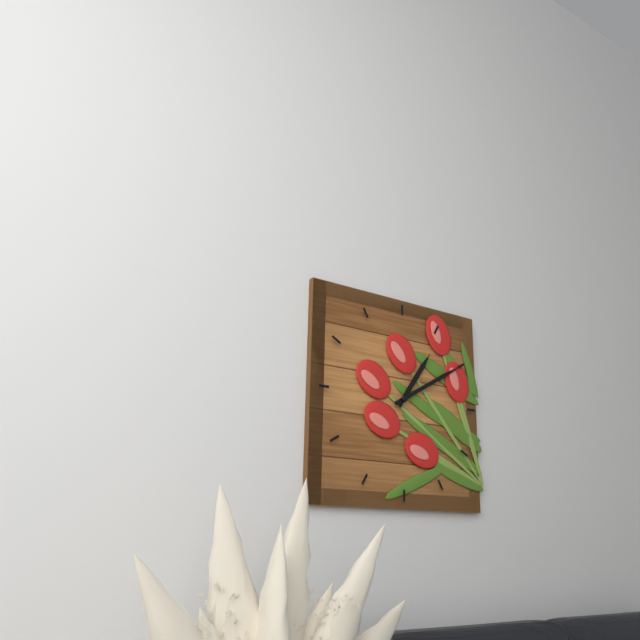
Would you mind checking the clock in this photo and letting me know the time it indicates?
1:10
